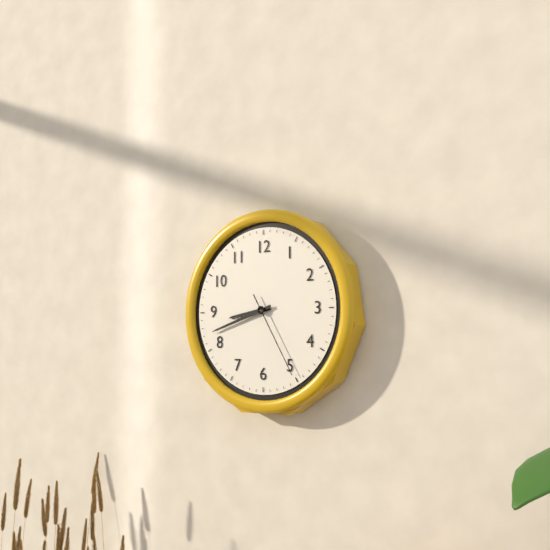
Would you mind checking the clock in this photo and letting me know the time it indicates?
8:42:25
